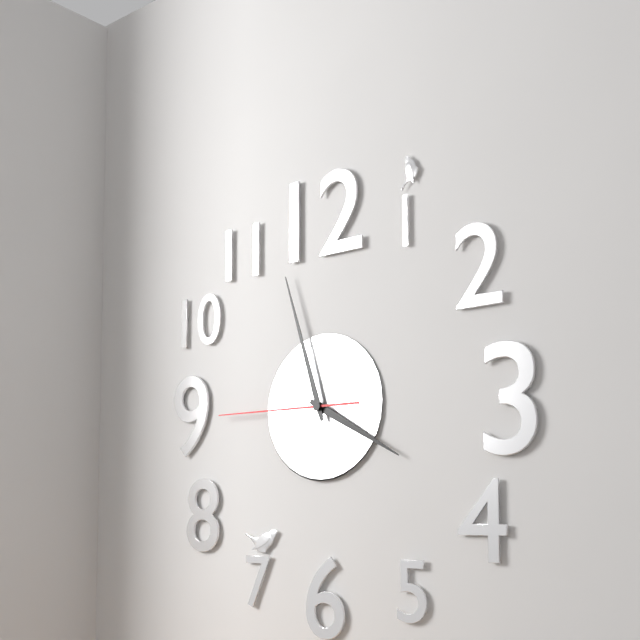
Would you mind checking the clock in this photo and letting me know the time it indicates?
3:57:45
